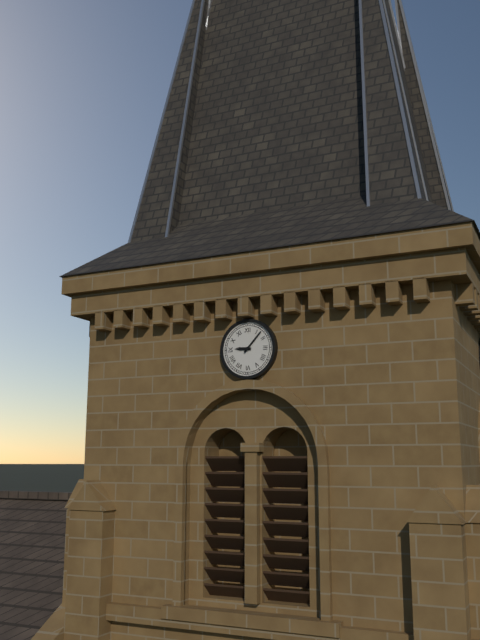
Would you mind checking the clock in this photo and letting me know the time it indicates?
9:07
